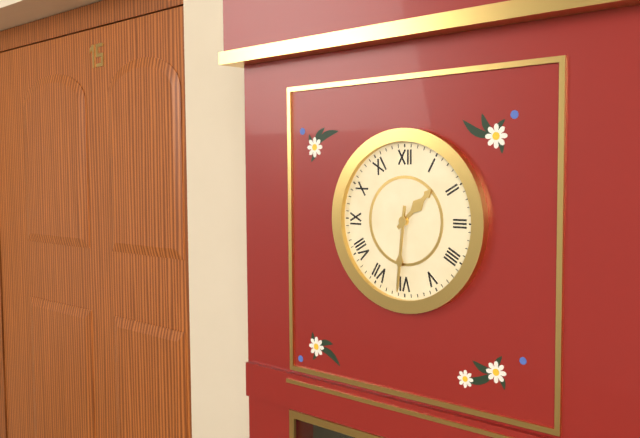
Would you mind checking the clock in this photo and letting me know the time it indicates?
1:31
